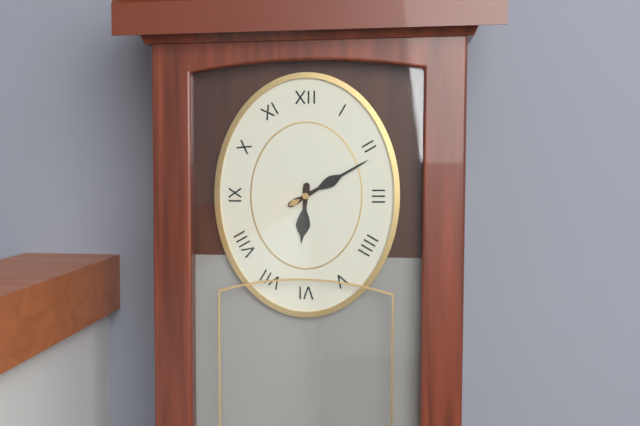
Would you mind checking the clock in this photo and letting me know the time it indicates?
6:10
